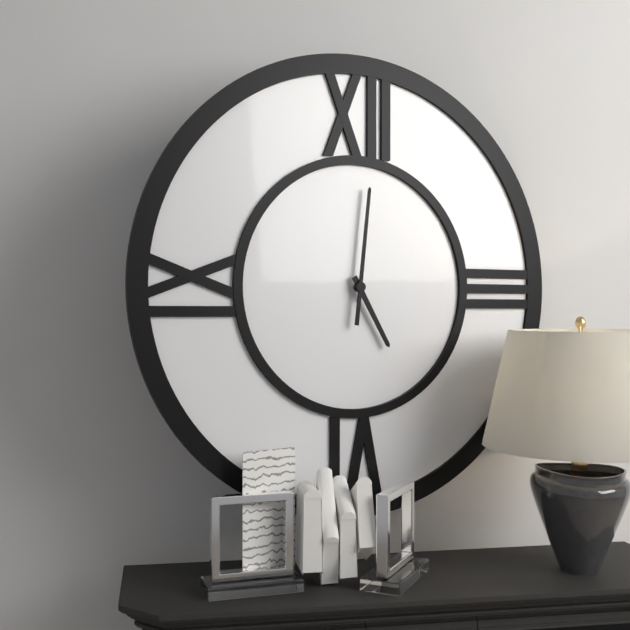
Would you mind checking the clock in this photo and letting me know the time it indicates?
5:01
